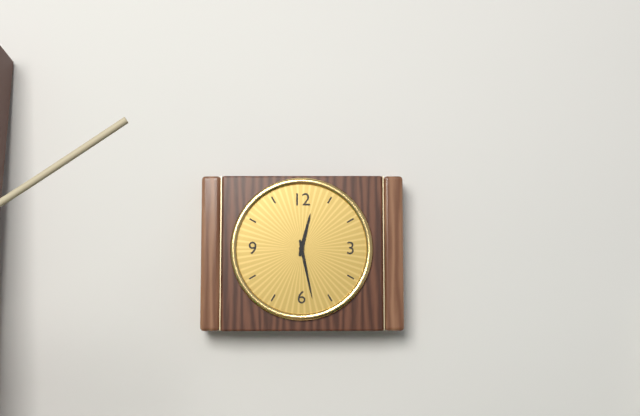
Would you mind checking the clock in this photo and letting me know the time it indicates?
12:28
